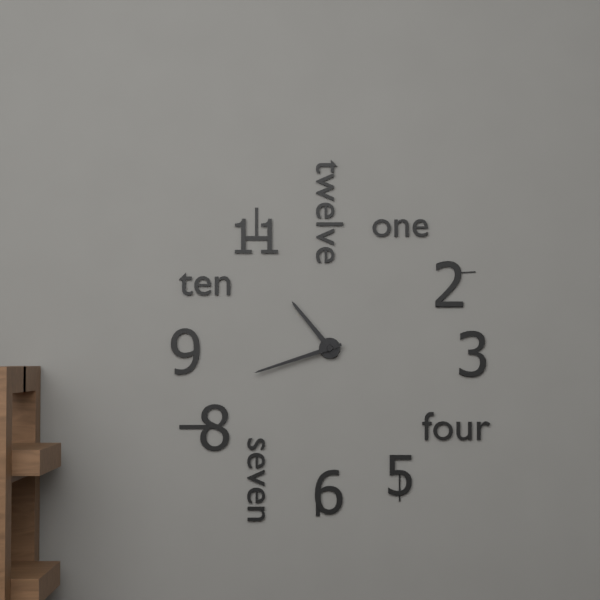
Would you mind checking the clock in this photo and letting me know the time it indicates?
10:42
